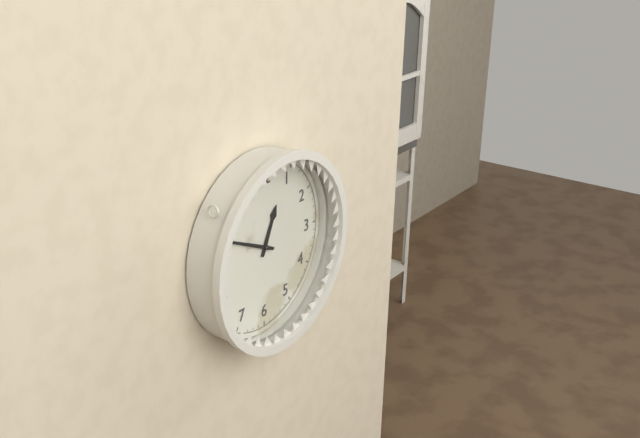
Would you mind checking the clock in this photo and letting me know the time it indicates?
12:49
